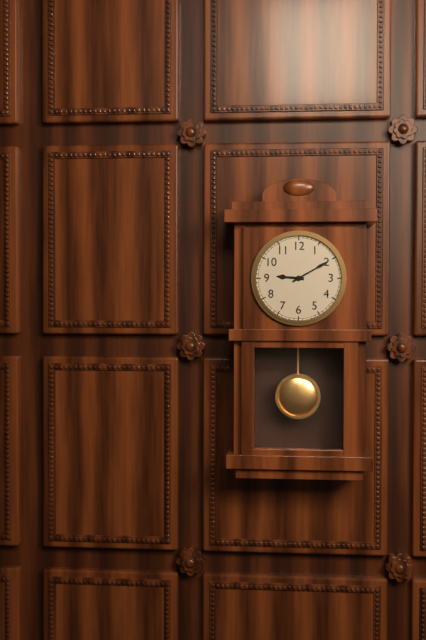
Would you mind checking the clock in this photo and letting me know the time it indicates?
9:10
